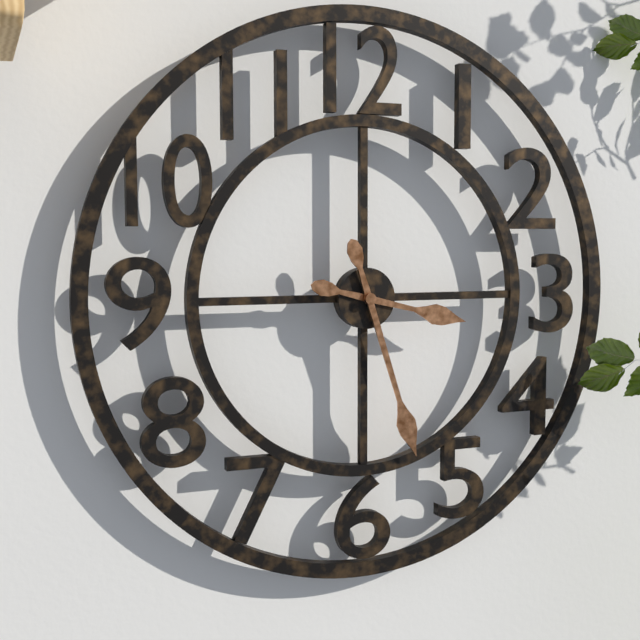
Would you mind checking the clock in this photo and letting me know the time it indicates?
3:27
